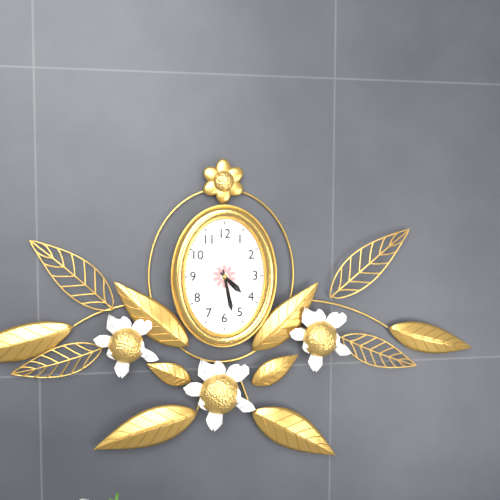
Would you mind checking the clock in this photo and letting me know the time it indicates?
4:28
